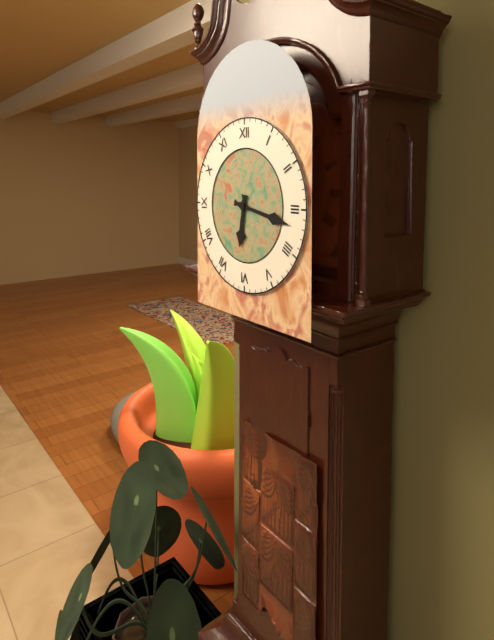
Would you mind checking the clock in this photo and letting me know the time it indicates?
6:17
